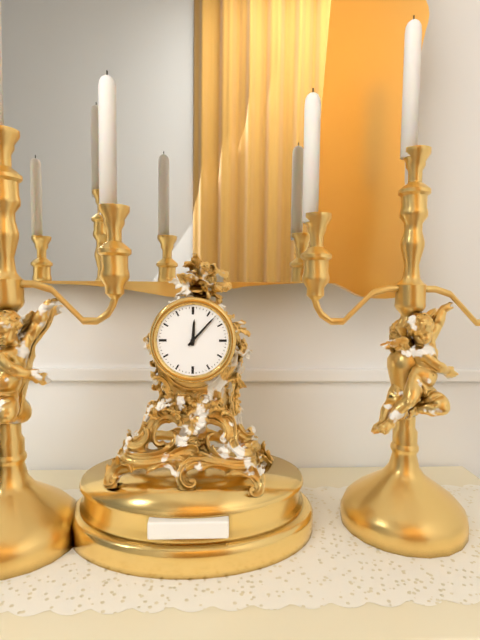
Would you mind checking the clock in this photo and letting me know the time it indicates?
12:07
